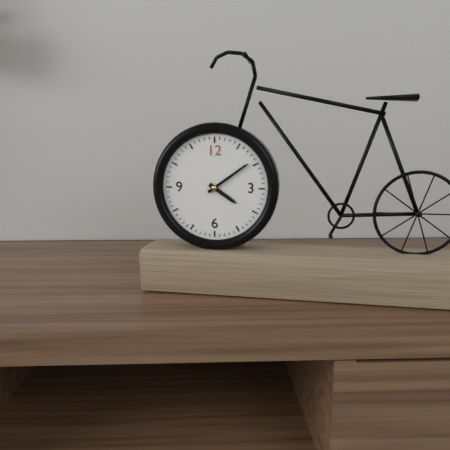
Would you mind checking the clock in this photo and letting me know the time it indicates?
4:09
